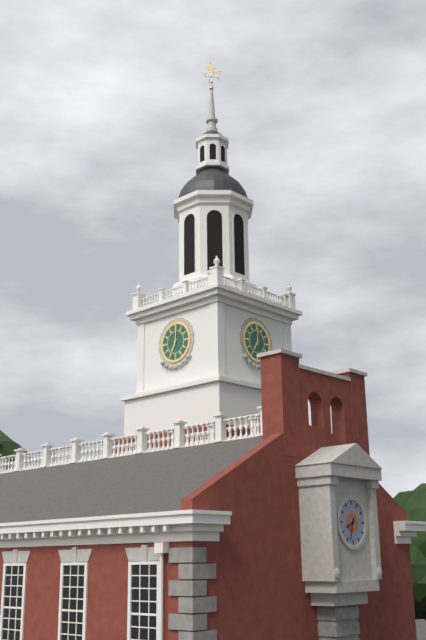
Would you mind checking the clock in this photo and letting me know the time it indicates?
7:01
